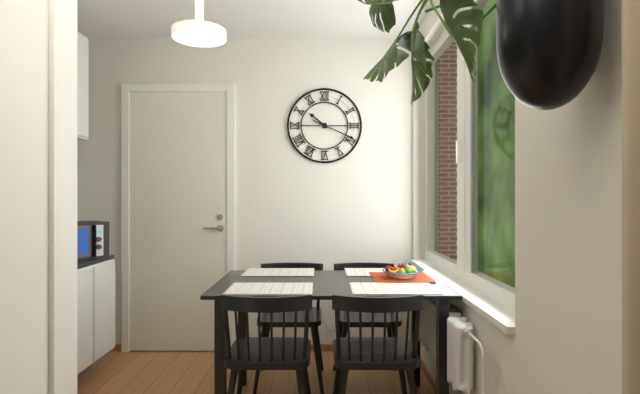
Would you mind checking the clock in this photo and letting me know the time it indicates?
10:19
